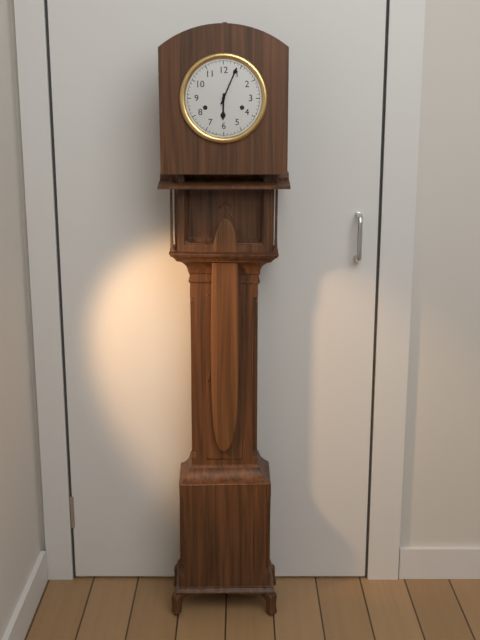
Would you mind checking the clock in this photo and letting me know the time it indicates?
6:04
